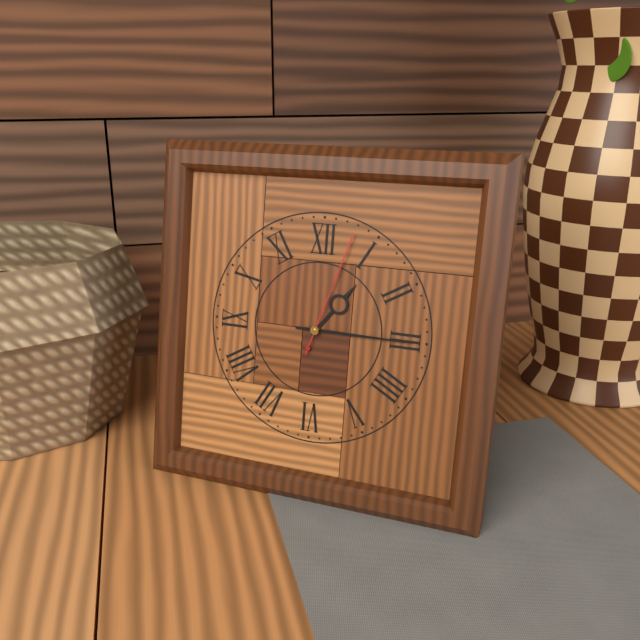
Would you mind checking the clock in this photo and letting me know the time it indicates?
1:15:03
